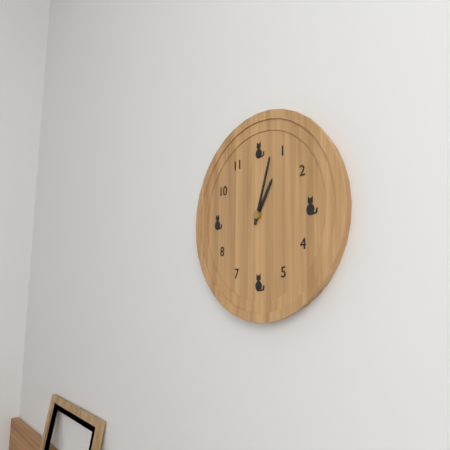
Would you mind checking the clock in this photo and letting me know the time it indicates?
1:03
